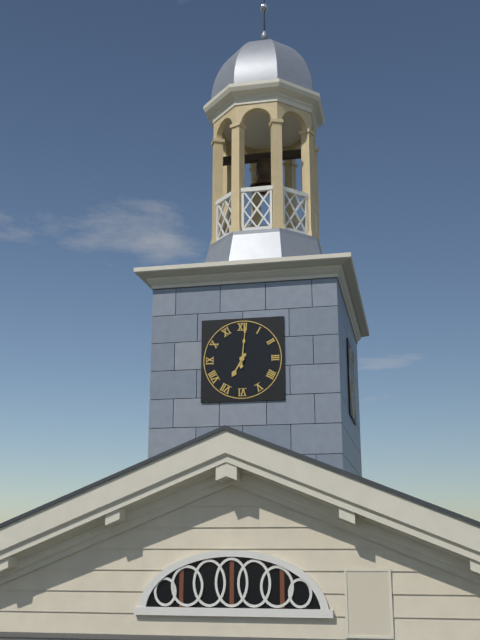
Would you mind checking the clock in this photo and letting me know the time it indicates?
7:01
